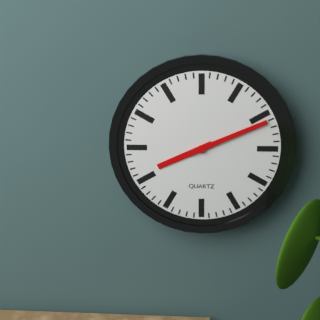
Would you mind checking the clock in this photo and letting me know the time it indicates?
8:11
